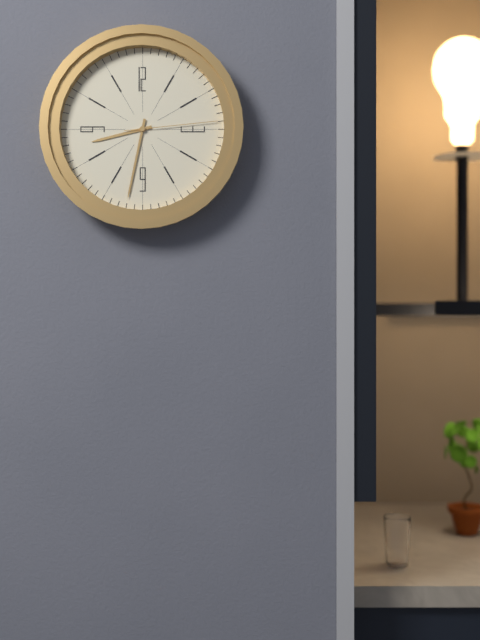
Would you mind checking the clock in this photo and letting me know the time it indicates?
8:32:14
